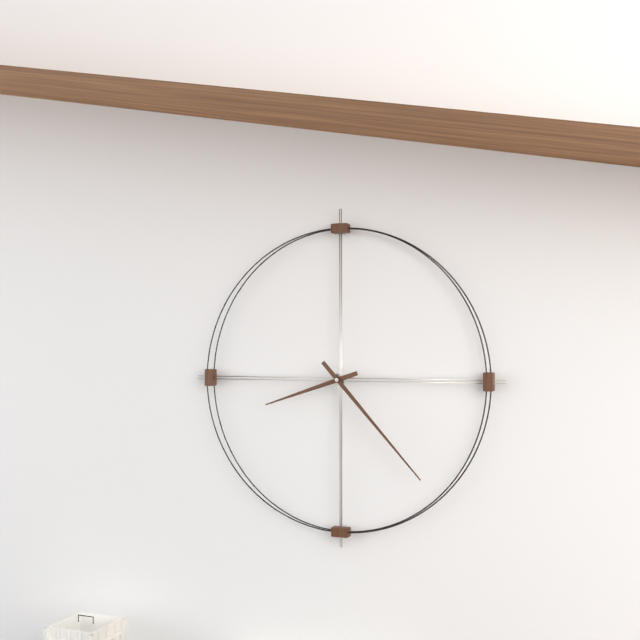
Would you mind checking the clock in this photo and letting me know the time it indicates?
8:23
